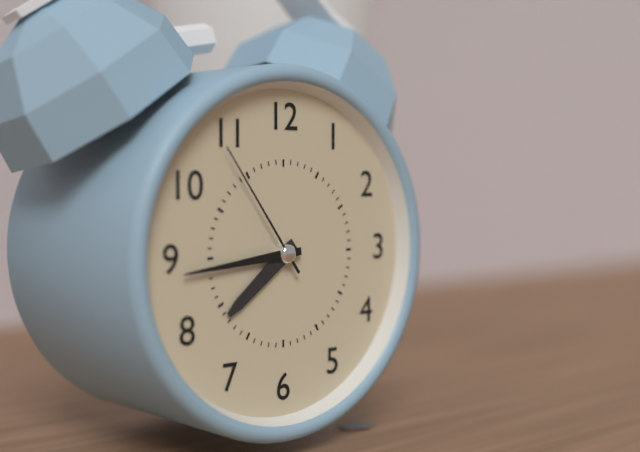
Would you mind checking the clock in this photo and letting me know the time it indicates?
7:44:54
